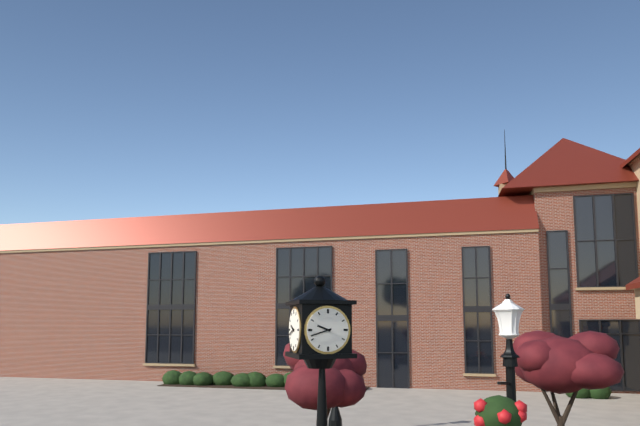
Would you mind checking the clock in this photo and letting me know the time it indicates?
9:42
